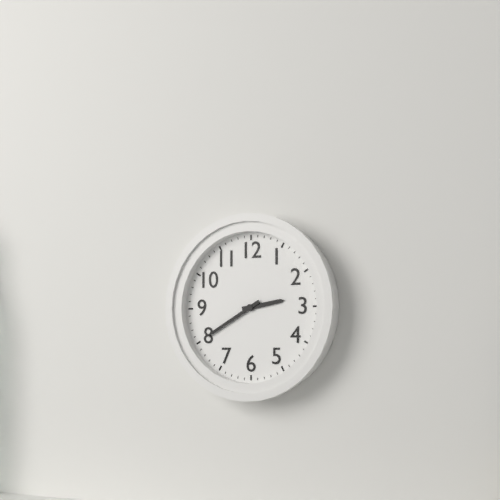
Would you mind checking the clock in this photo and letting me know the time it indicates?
2:40
